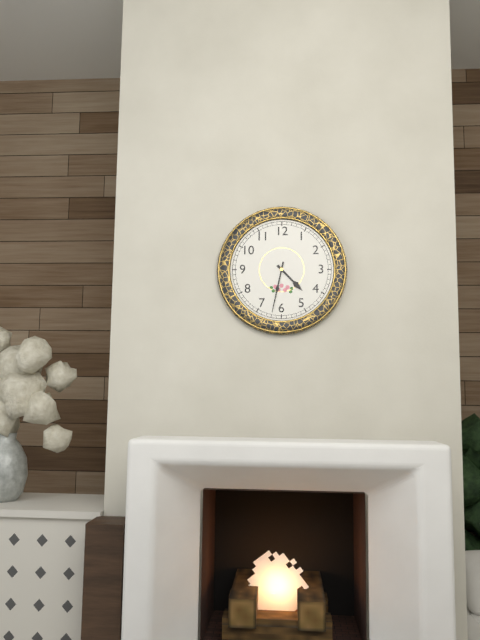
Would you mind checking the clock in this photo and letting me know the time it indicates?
4:32
